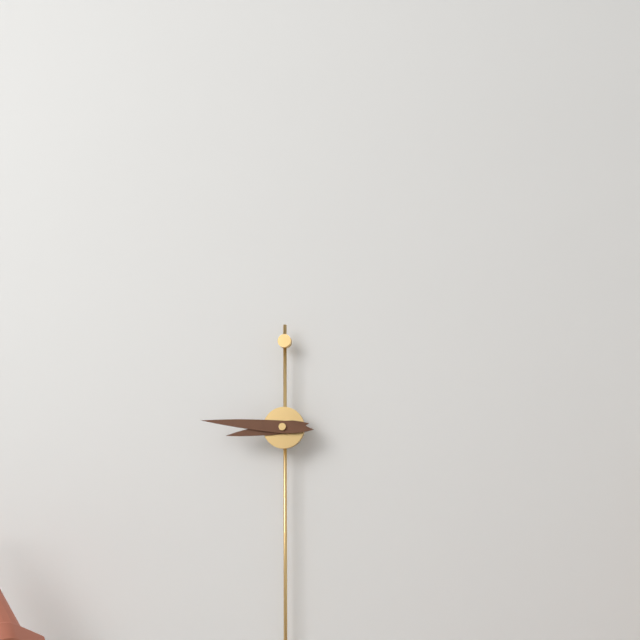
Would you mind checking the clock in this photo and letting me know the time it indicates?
8:46
